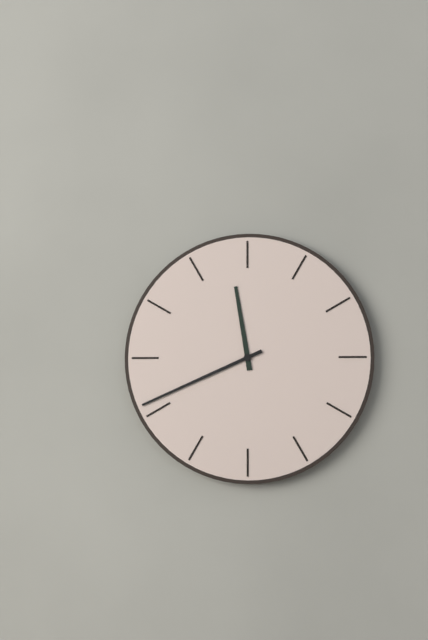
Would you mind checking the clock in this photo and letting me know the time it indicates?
11:41
